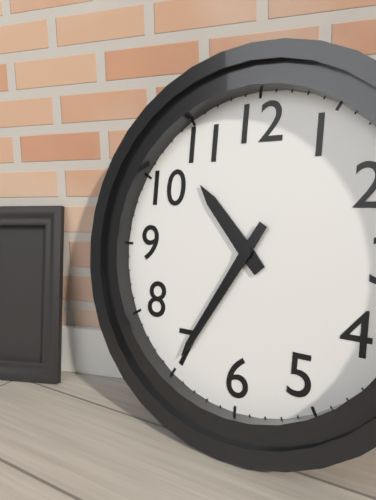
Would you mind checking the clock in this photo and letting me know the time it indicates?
10:35
